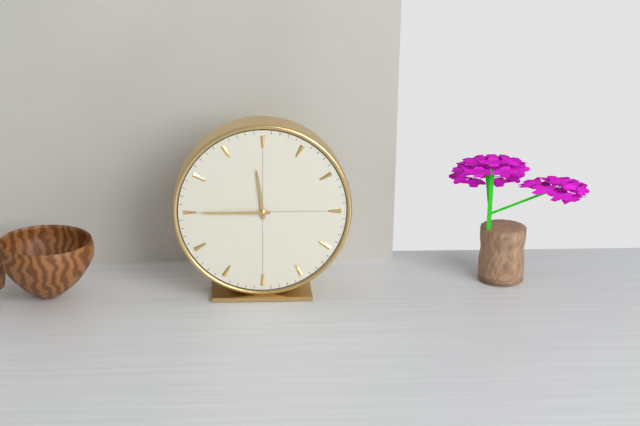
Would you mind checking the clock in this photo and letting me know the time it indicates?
11:45
